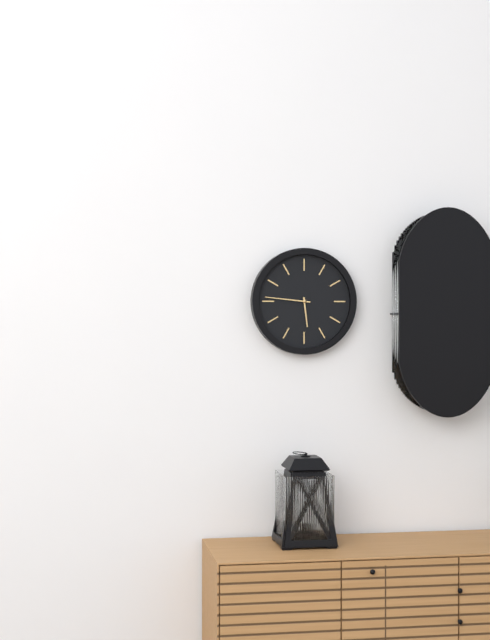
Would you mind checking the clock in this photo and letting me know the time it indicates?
5:46
